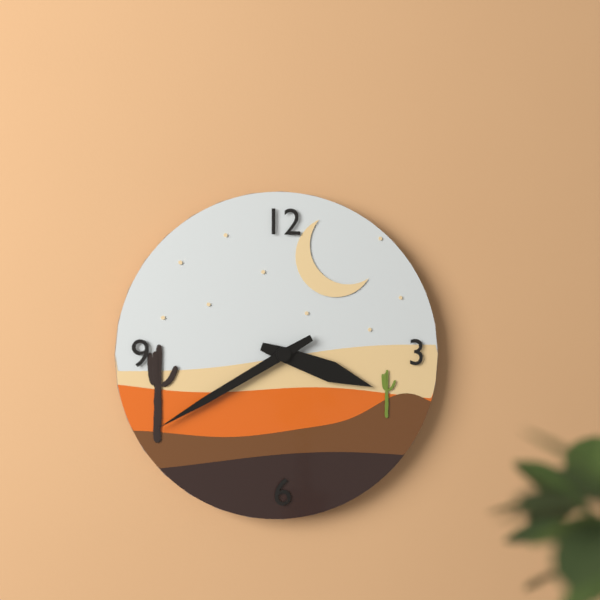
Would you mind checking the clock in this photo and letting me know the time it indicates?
3:40
